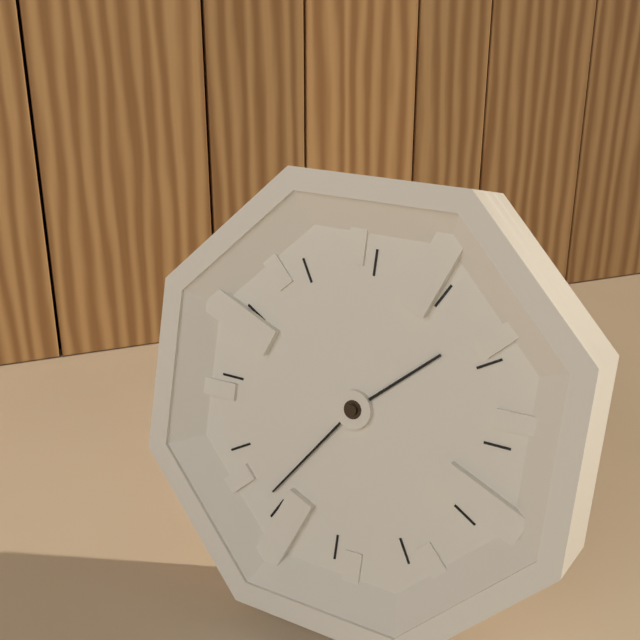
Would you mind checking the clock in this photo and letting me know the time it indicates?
1:36
